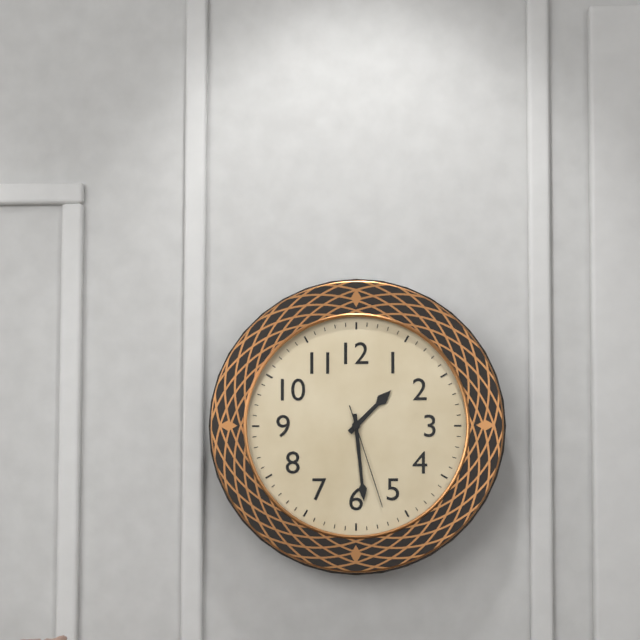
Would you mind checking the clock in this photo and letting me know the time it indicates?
1:29:27
